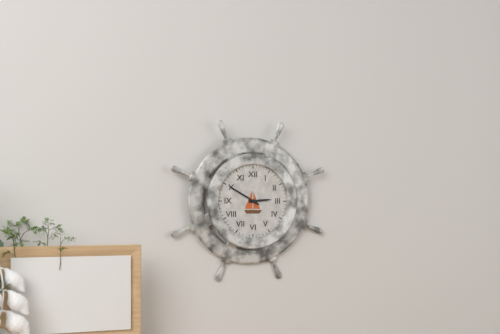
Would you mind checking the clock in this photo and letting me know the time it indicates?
2:50
